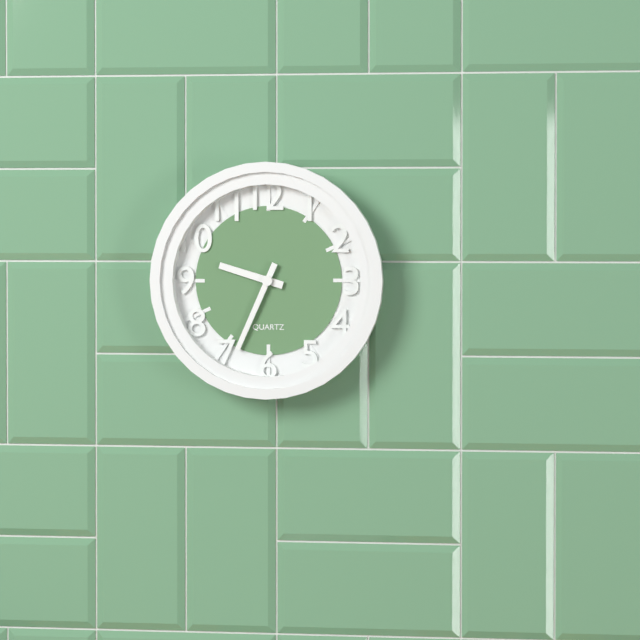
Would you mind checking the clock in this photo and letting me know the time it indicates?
9:34
